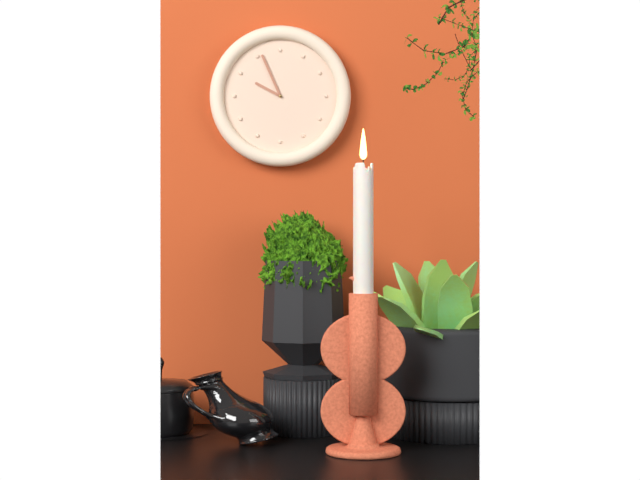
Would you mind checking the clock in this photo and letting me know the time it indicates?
9:56
